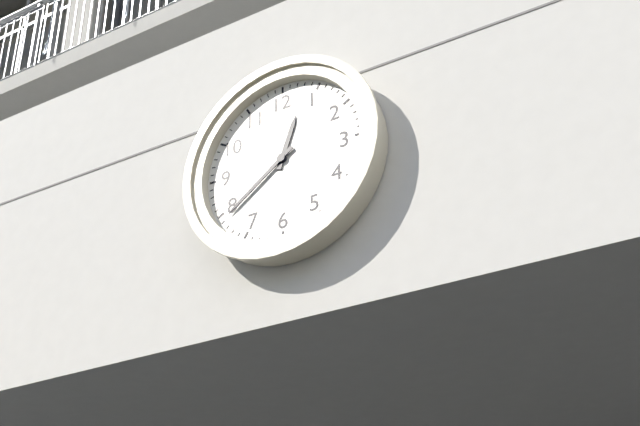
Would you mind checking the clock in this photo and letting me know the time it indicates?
12:39
